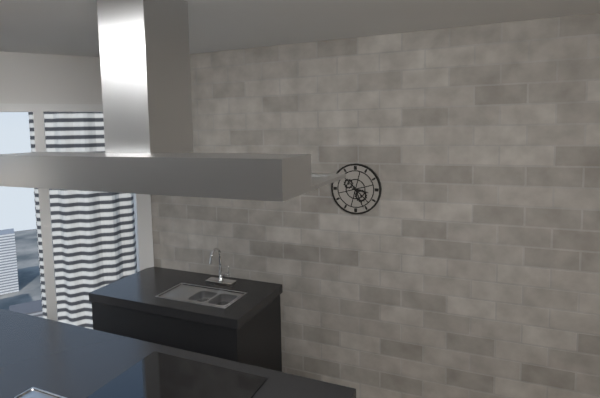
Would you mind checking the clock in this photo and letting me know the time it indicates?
3:26
